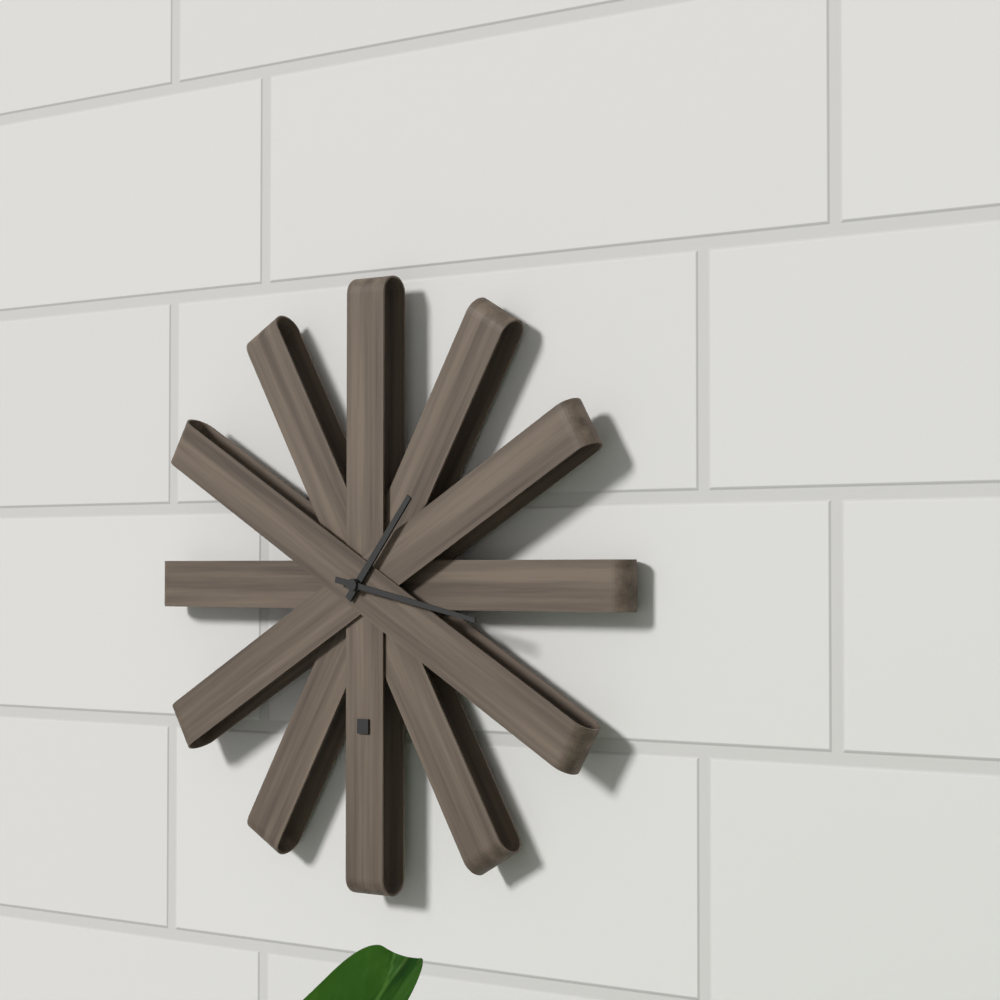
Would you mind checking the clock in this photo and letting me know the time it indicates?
1:17
